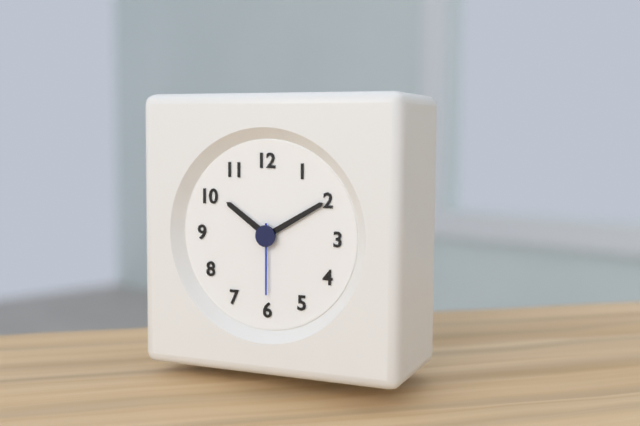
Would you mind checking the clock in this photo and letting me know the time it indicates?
10:10:30
